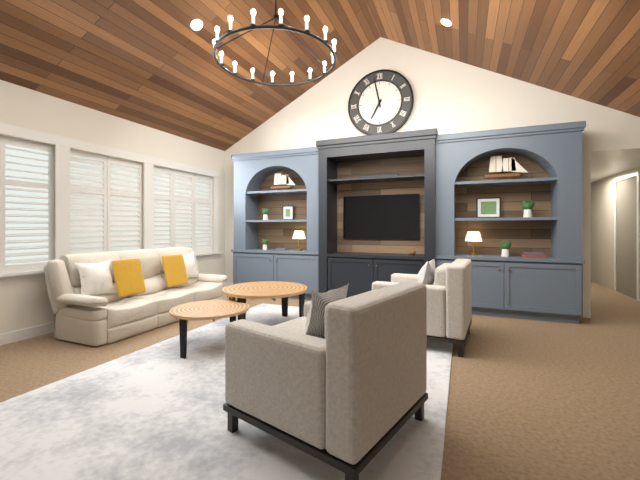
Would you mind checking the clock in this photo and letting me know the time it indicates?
6:58
